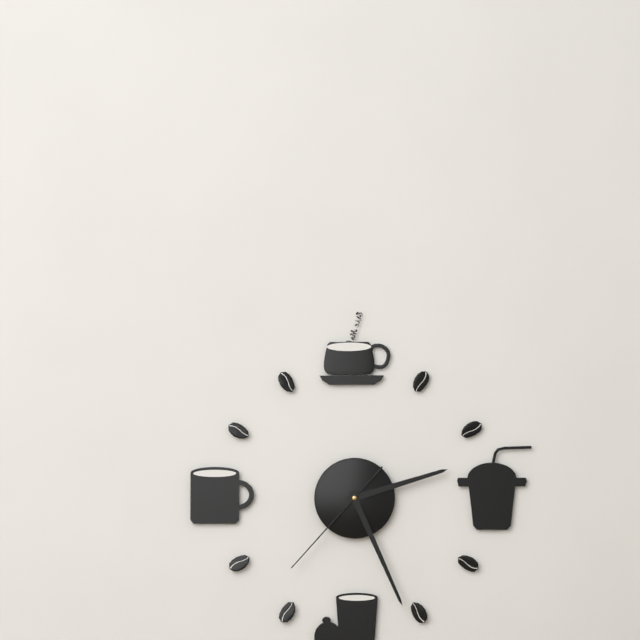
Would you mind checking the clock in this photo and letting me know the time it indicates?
2:26:37
